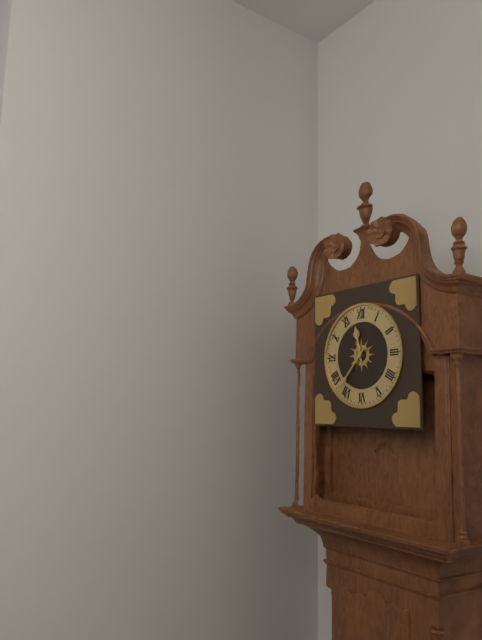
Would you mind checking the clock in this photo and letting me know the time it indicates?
11:37
